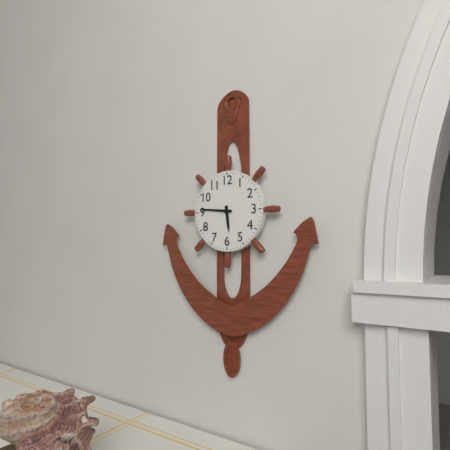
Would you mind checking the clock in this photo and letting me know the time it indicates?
5:46
